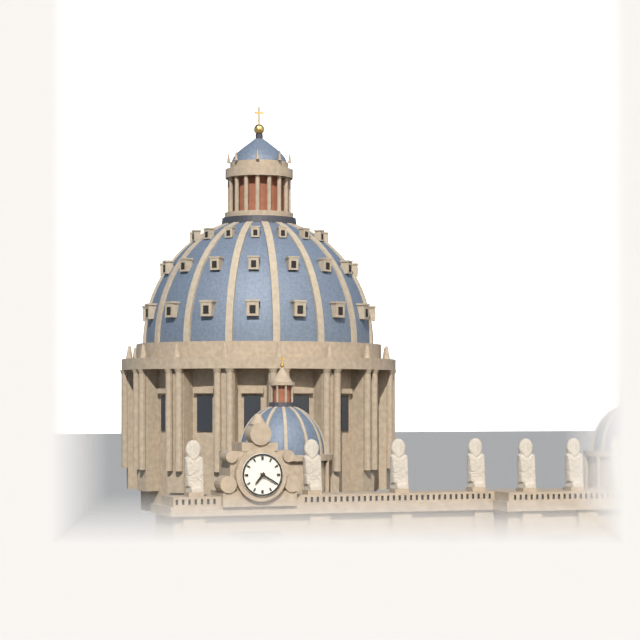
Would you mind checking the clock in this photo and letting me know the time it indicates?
7:20
